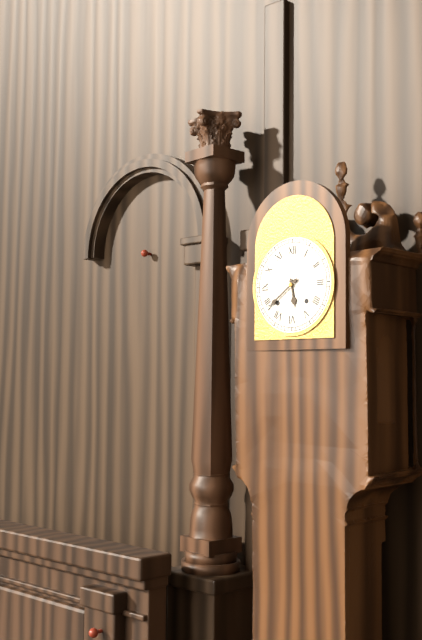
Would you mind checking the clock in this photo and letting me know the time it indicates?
5:39
